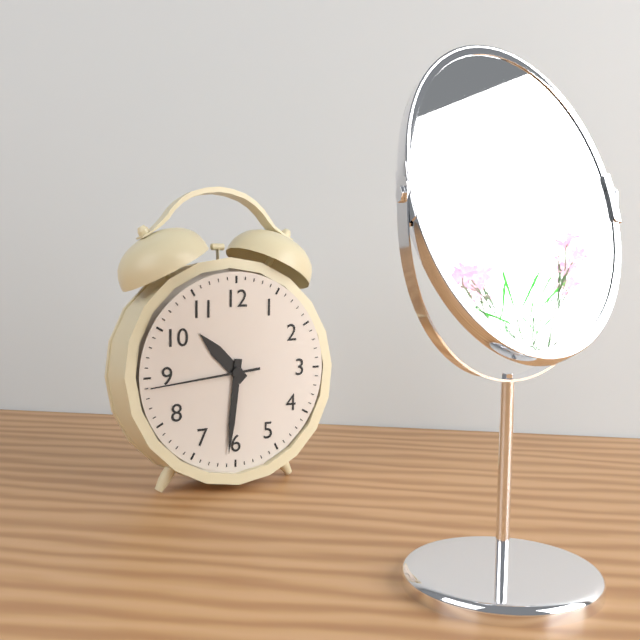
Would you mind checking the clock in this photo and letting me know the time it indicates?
10:31:44
